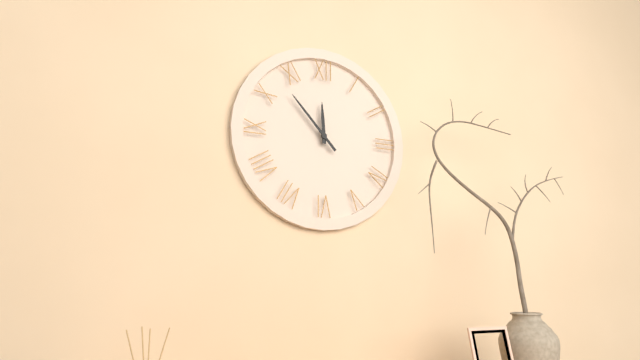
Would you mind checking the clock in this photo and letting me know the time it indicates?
11:53
